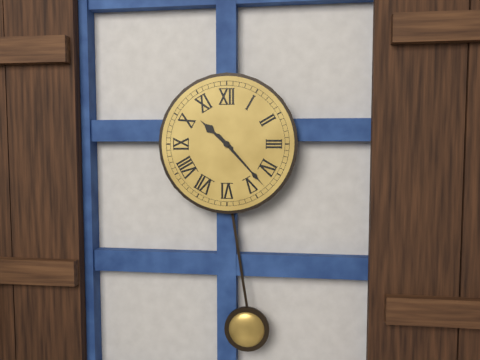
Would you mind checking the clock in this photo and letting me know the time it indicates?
10:23
